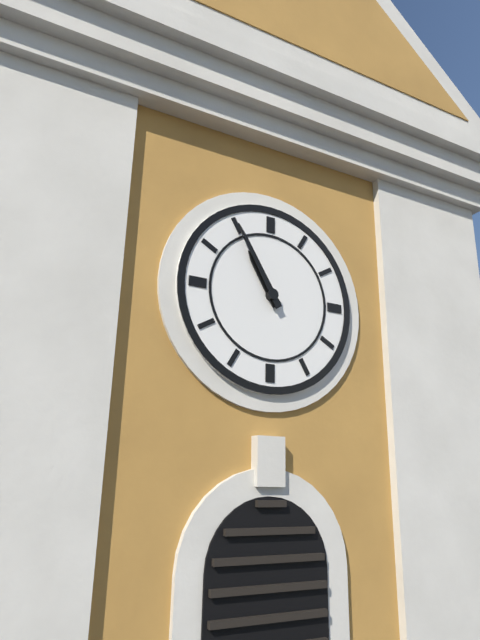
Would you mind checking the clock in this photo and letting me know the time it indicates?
10:55
